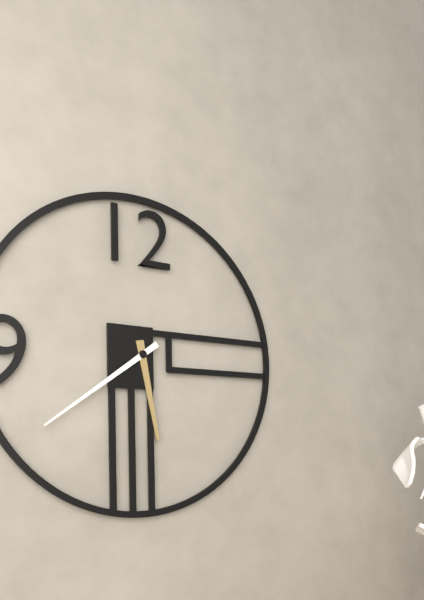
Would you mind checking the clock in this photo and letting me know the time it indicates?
5:39
